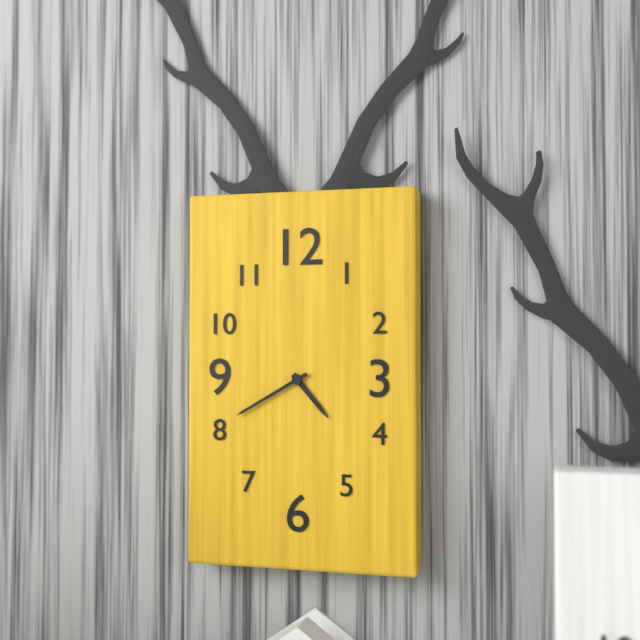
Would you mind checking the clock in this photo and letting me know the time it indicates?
4:40
